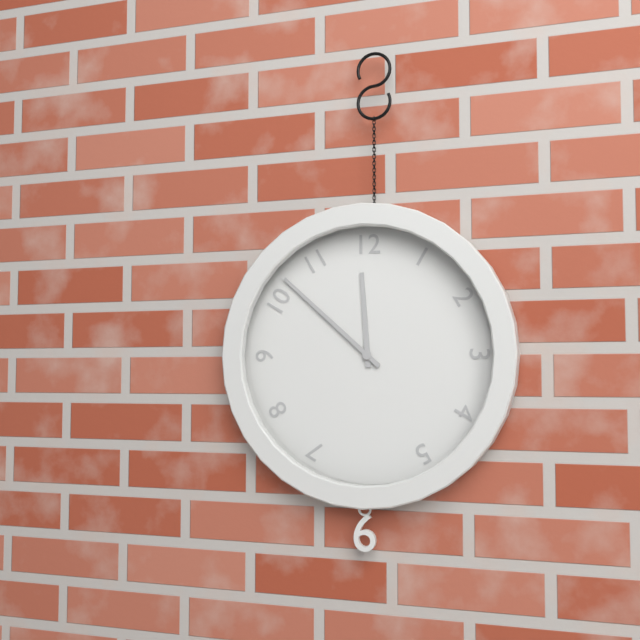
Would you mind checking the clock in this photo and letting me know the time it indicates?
11:52
